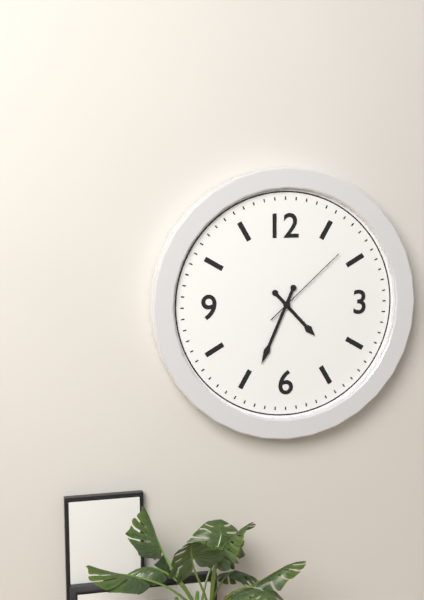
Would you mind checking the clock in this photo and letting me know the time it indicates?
4:34:08
